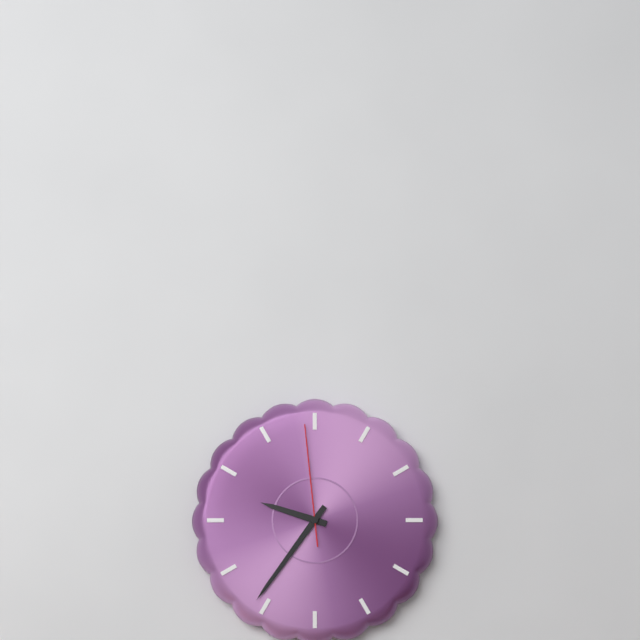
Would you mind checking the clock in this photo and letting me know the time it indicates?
9:36:59
